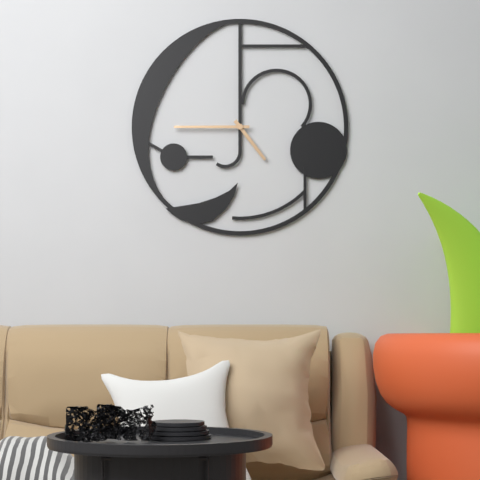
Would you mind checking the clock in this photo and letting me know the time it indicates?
4:45
